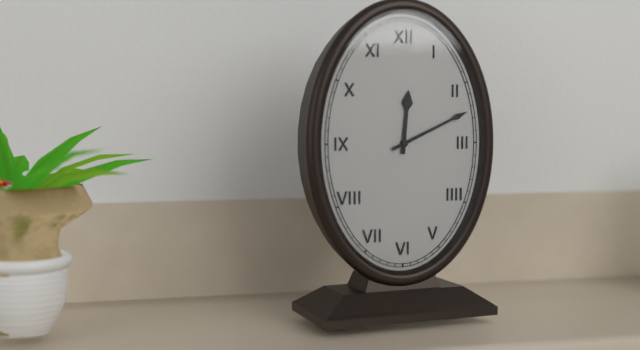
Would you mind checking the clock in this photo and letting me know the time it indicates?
12:11
